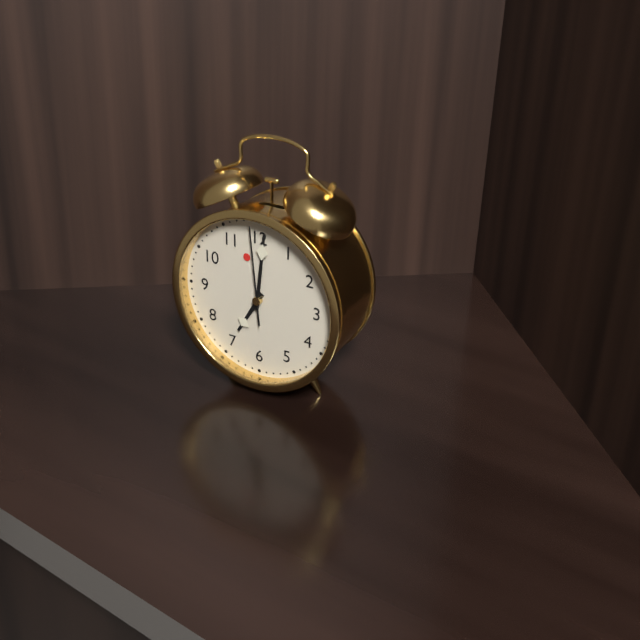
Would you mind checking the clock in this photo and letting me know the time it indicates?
7:01:59
